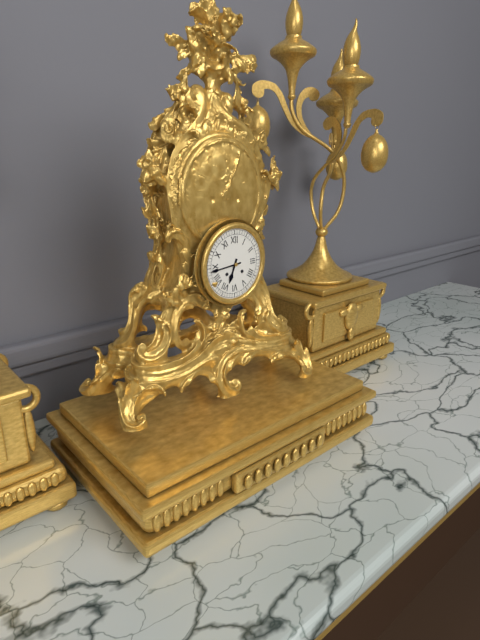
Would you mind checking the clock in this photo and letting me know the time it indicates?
6:44
